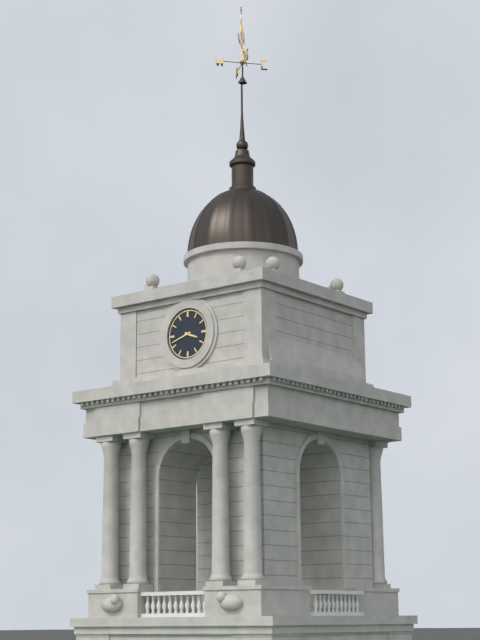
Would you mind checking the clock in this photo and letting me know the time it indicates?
3:42
